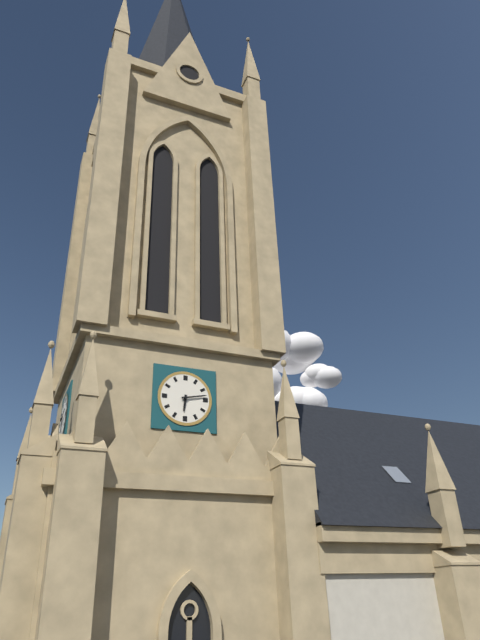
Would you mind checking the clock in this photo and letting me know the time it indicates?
6:13
